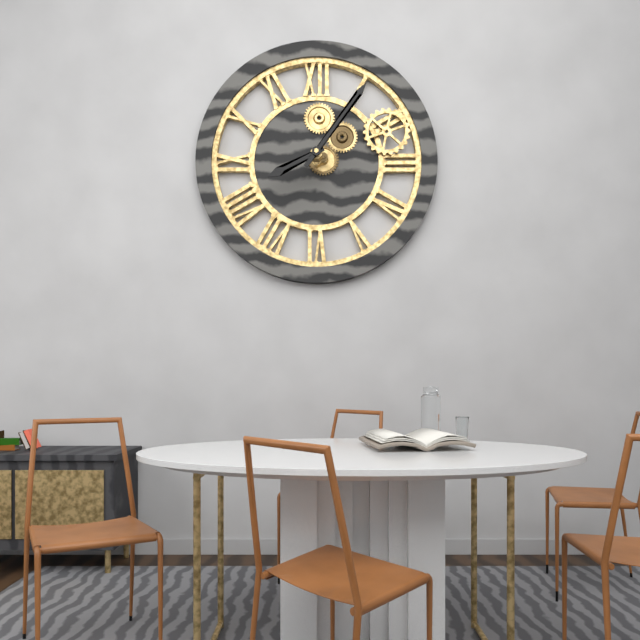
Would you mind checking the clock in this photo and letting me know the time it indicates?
8:06
